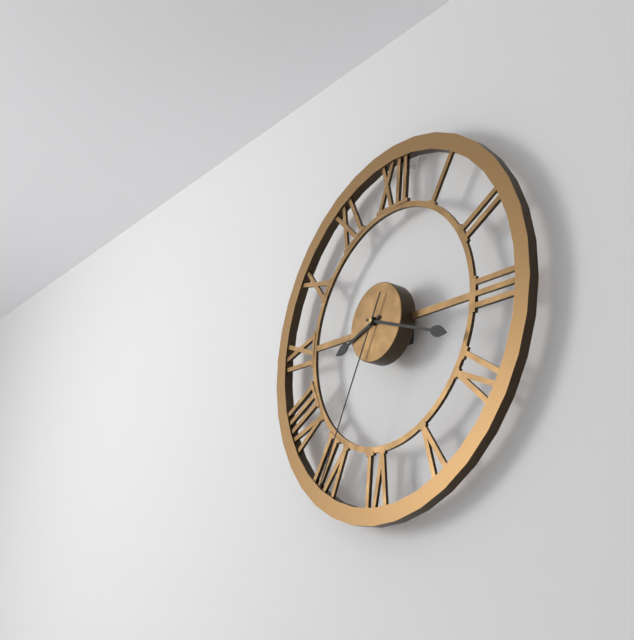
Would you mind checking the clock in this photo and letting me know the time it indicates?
8:18:34
